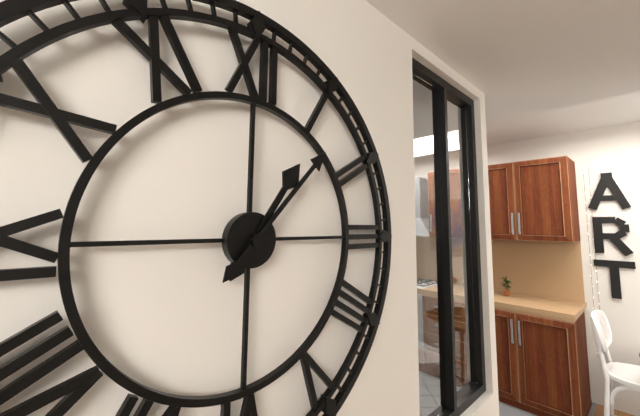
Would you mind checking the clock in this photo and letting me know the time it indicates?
1:07
